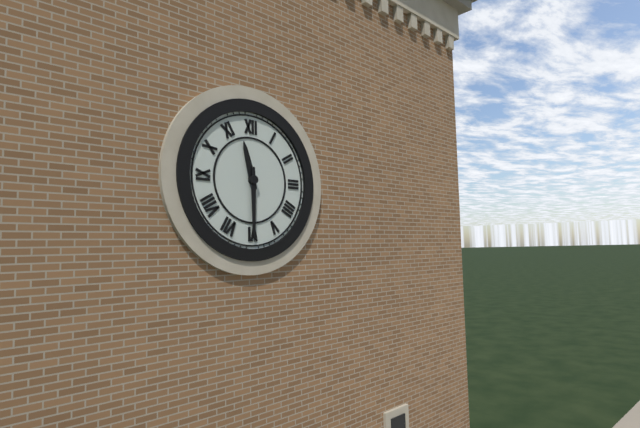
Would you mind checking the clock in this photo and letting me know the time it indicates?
11:30
